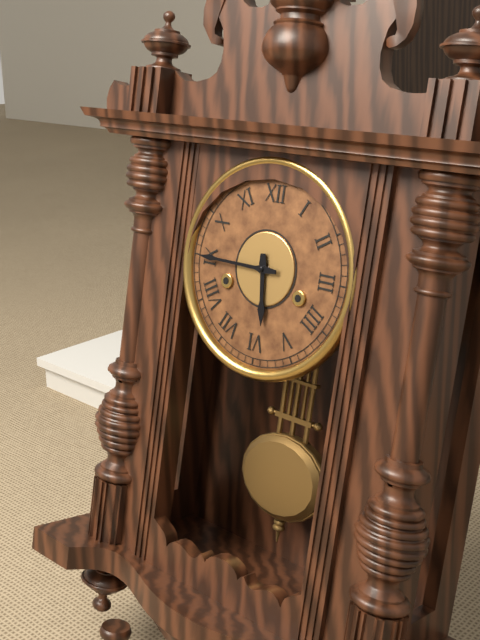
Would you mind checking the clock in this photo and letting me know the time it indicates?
5:45
